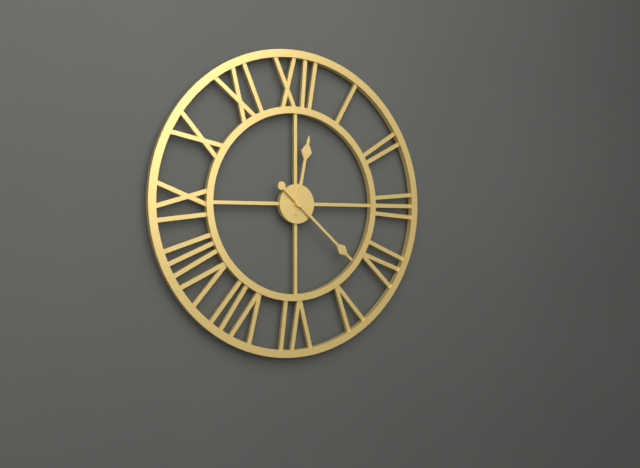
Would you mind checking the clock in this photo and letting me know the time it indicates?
12:22
